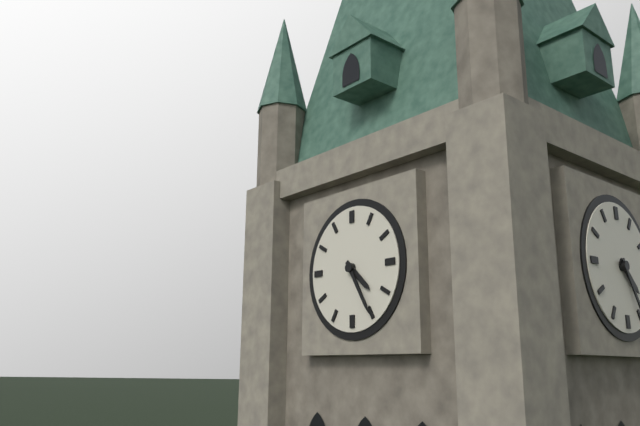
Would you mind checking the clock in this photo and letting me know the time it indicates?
4:25
